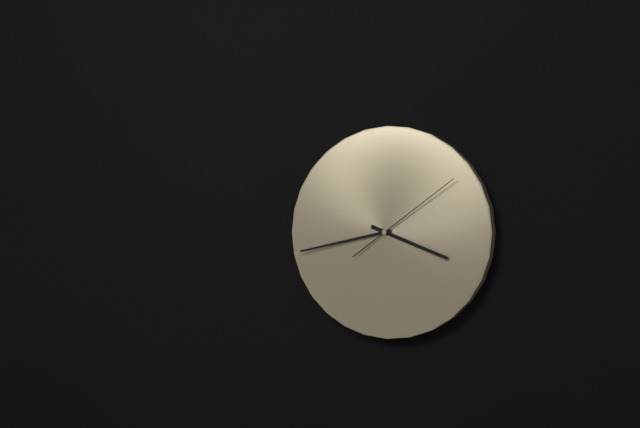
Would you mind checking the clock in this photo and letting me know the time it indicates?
3:43:09
